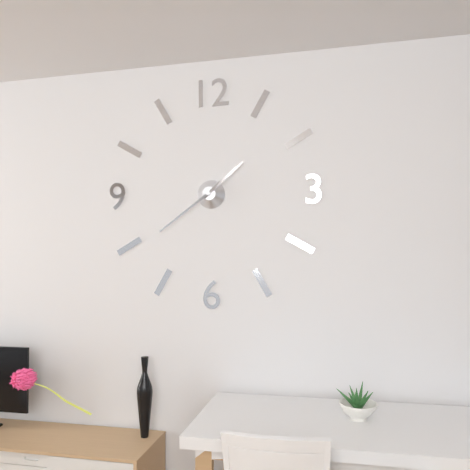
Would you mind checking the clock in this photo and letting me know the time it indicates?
1:39
